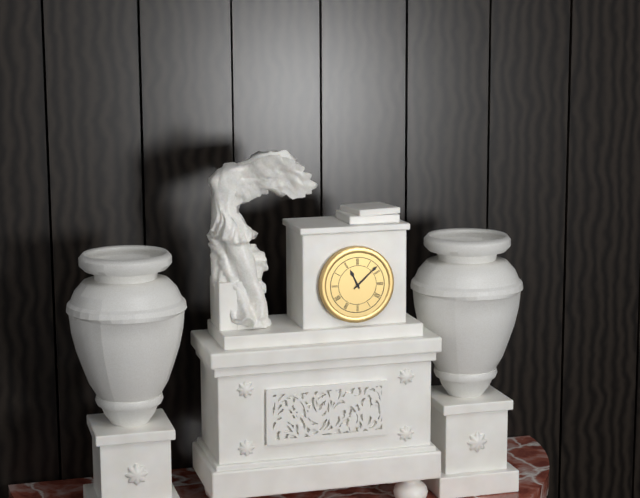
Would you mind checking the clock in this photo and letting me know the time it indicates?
11:08
